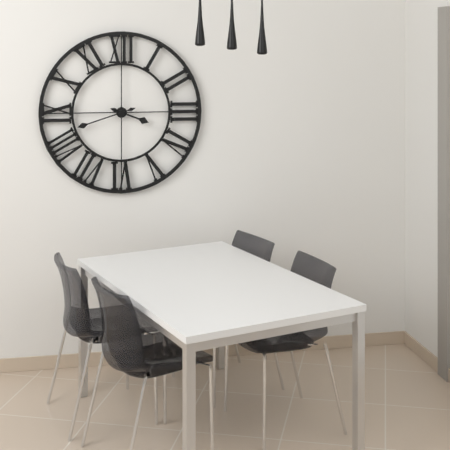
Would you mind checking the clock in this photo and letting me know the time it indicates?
3:42
